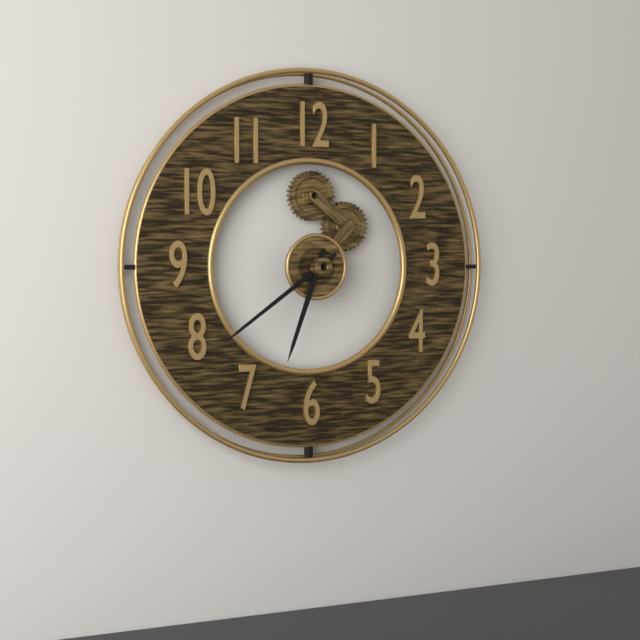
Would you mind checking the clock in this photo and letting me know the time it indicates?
6:39
